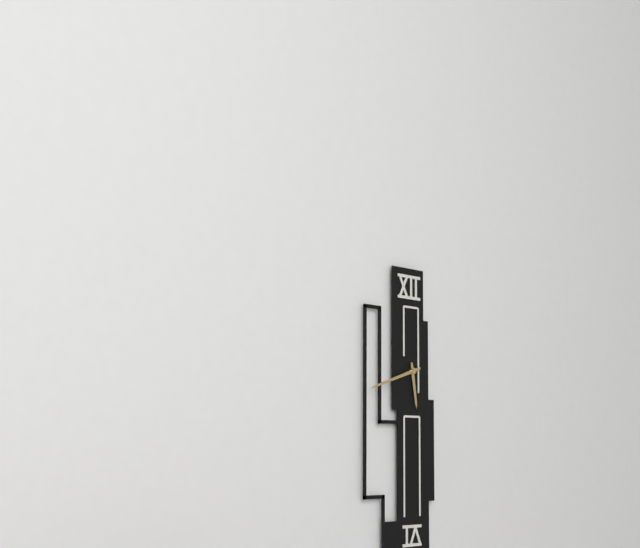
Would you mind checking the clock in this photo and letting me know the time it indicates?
5:42
